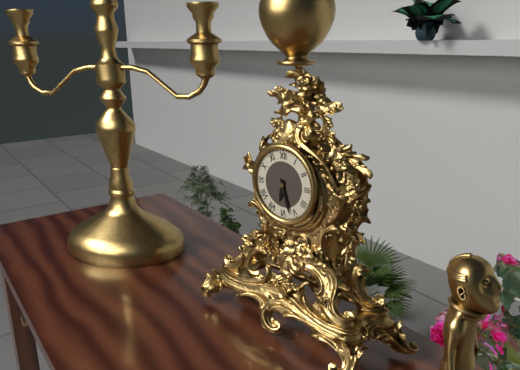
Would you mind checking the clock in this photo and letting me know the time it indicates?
6:27
